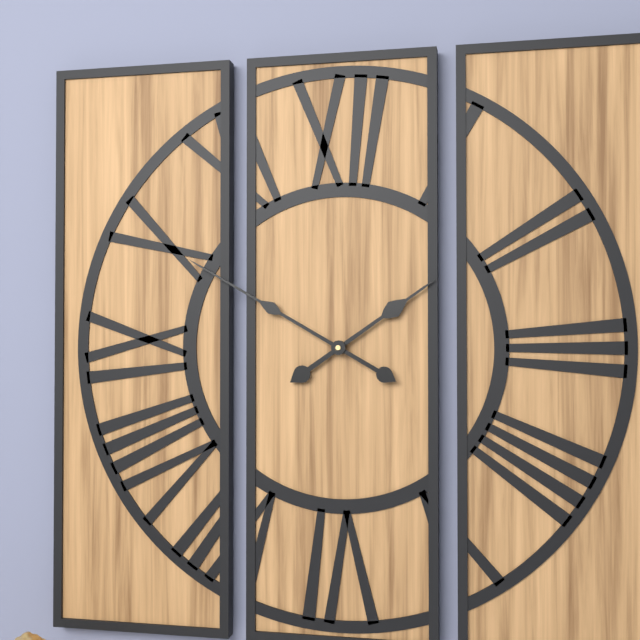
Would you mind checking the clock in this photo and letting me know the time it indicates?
1:50
